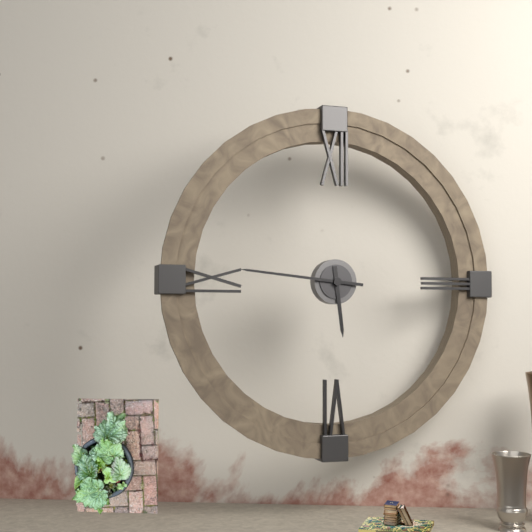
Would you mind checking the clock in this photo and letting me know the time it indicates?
5:46
